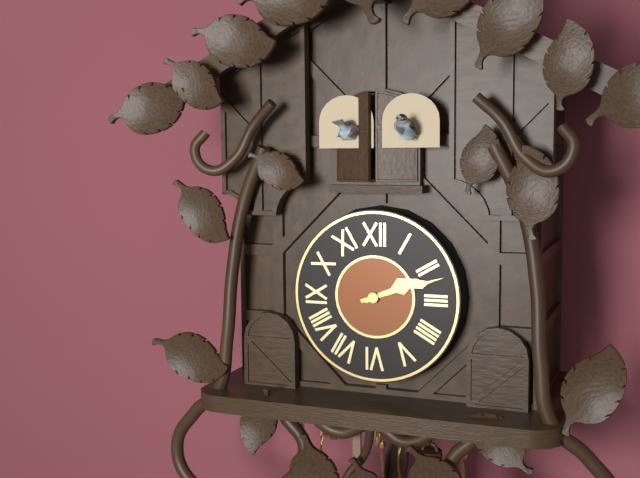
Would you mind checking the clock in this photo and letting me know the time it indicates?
2:12
